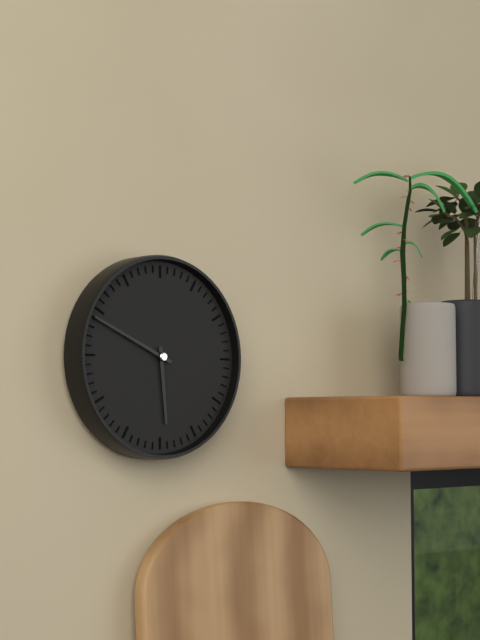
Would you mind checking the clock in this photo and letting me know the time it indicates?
5:49
